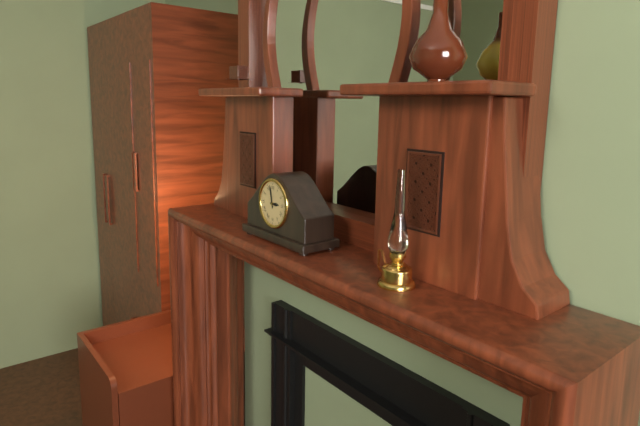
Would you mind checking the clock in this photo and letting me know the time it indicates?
2:58
